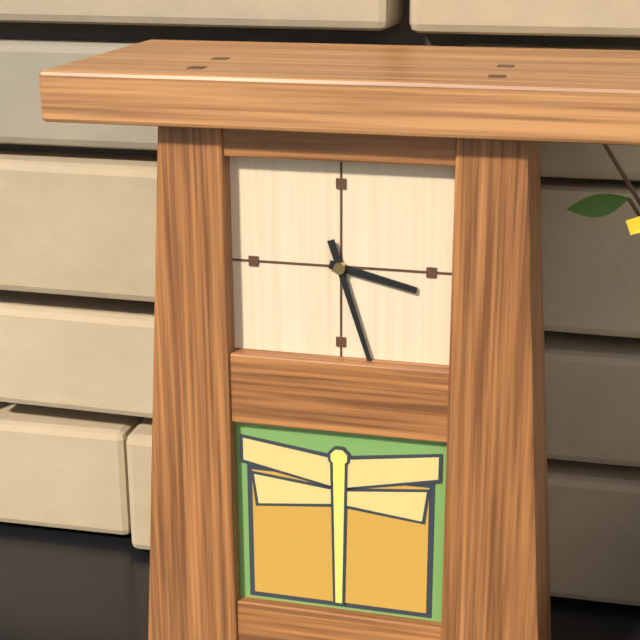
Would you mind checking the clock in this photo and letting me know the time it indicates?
3:27
